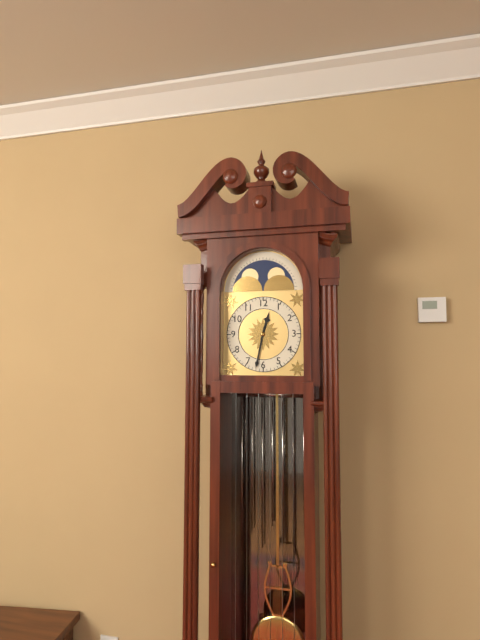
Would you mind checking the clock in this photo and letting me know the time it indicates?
12:32
